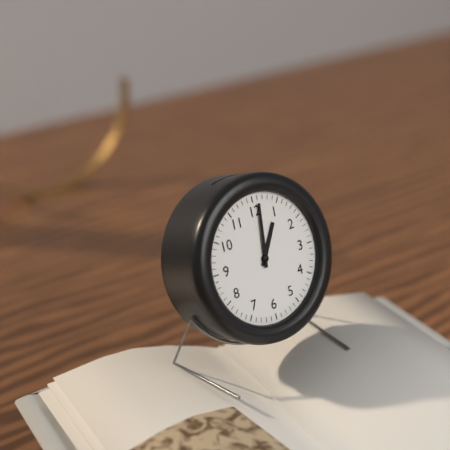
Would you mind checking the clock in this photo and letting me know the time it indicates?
1:01
